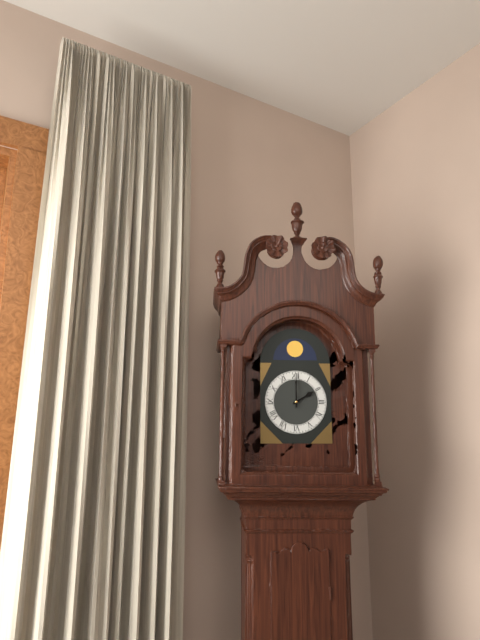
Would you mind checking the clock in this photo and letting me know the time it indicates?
2:00
